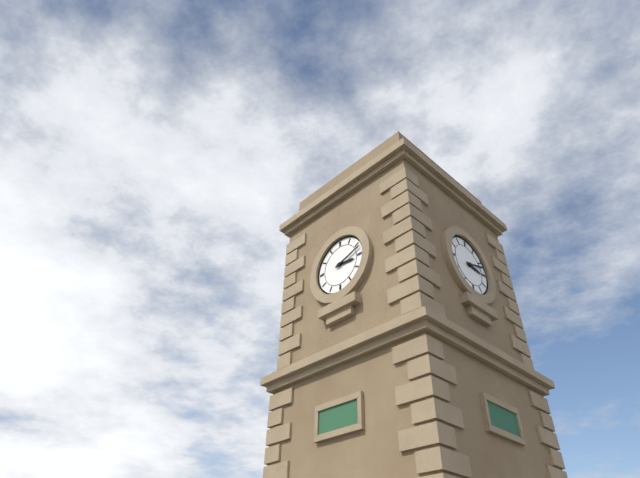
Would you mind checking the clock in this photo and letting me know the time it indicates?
3:12
